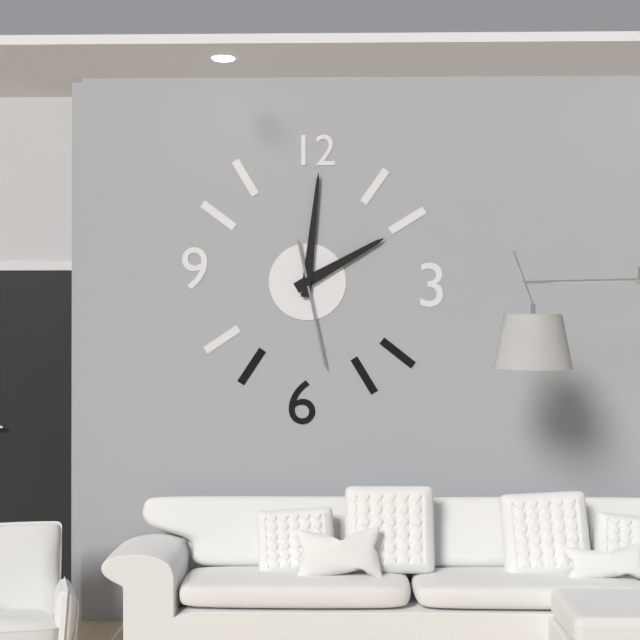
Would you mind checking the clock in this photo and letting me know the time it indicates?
2:01:28
